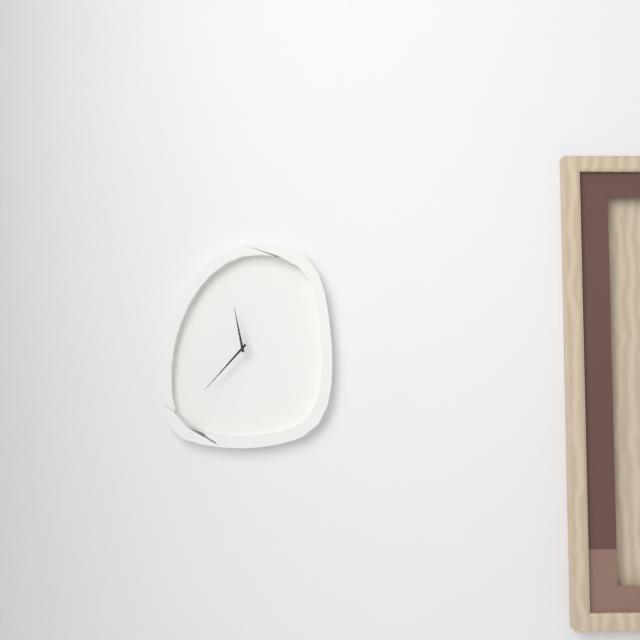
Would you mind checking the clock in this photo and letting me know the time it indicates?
11:37
